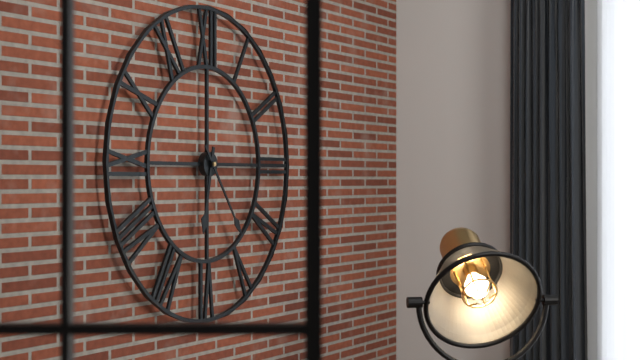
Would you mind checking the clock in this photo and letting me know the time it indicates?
6:24
